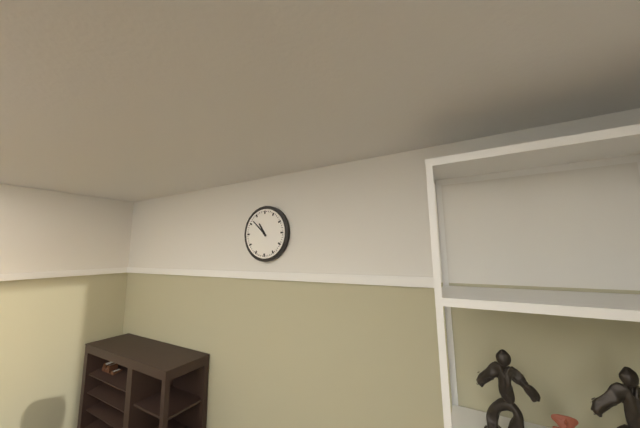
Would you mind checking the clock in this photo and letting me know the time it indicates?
10:52
